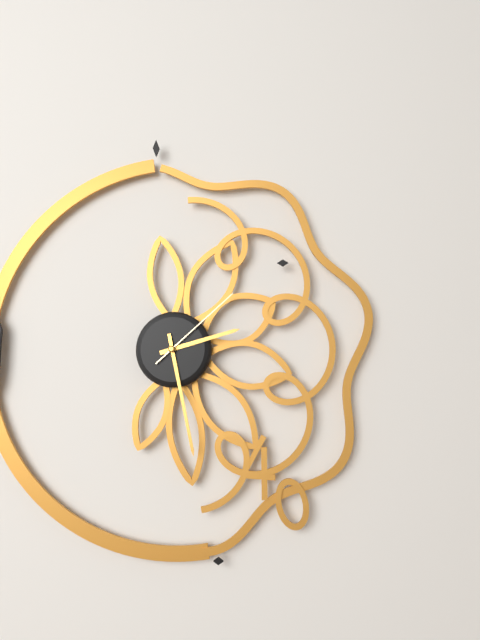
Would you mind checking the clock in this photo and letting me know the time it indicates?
2:28:08
